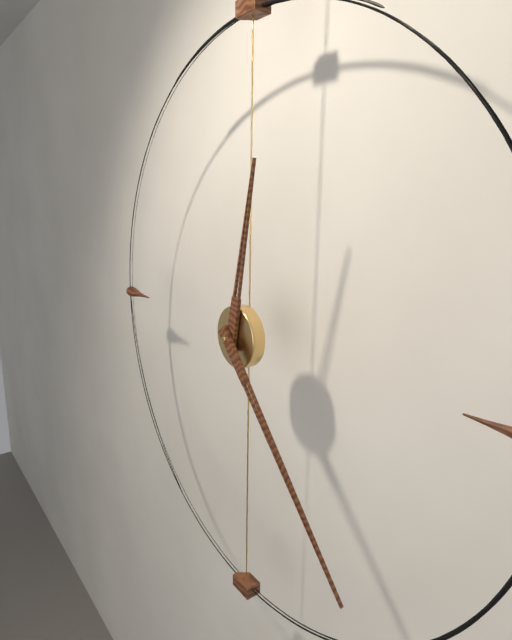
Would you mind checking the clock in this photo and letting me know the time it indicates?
12:23
